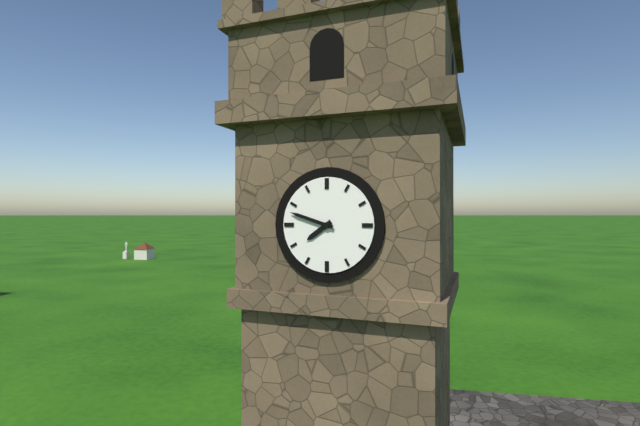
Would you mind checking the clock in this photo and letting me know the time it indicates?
7:48
